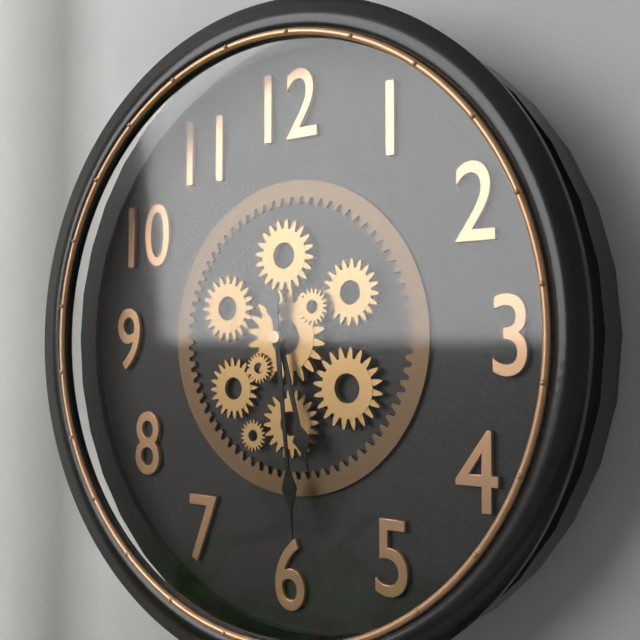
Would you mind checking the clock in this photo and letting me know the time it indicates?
5:29
